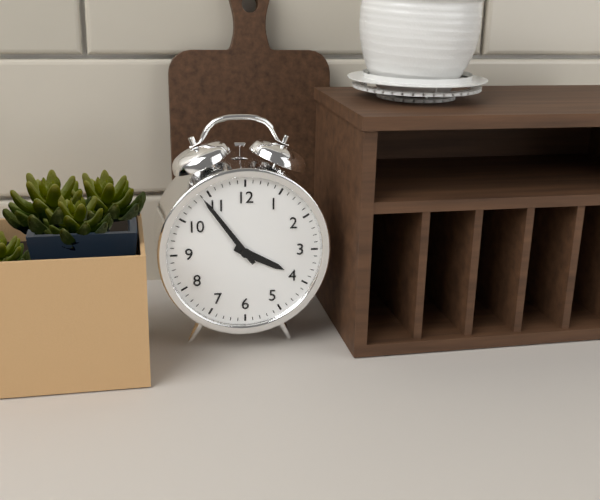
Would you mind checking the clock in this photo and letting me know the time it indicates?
3:54
